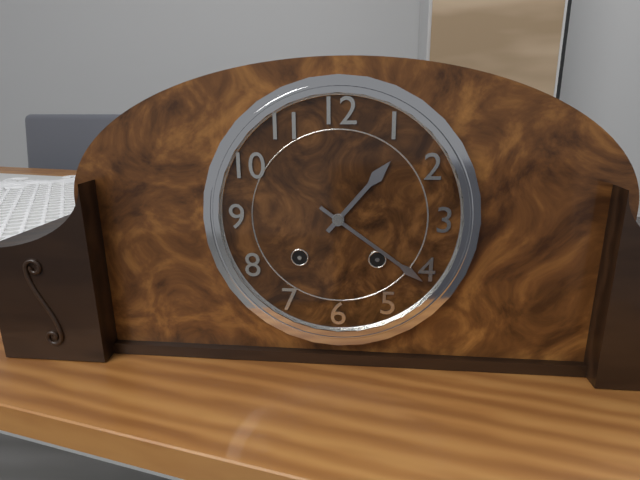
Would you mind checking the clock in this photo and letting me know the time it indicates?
1:21
